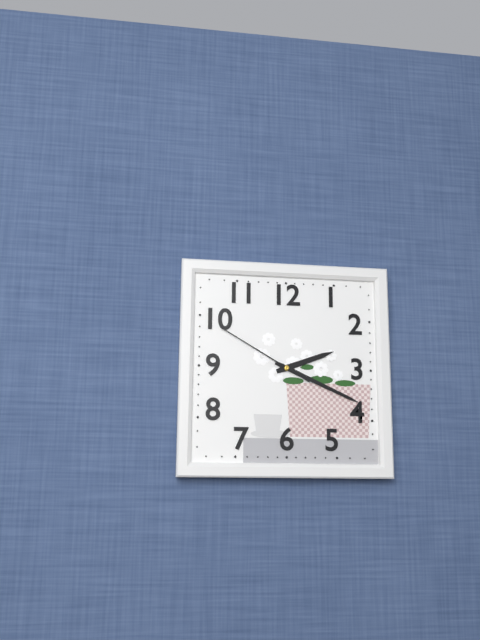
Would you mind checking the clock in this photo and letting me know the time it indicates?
2:19:50
